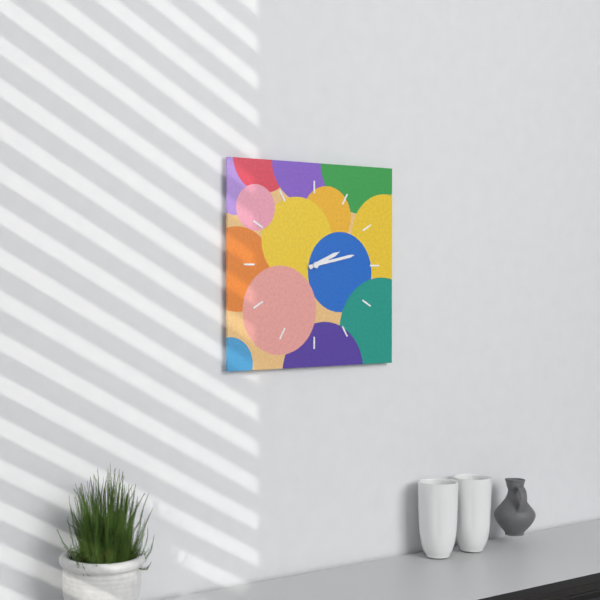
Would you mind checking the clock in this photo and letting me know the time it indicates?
2:13
